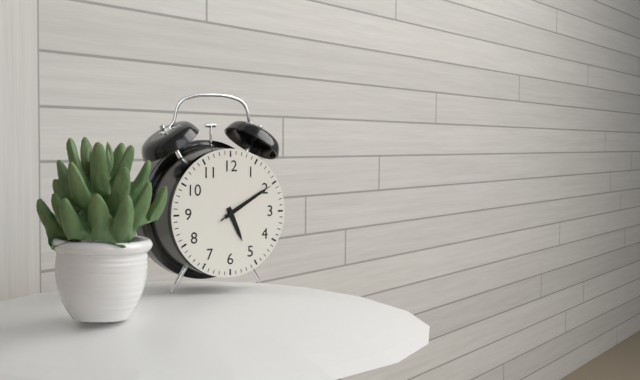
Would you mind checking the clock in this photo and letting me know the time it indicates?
5:10:10
